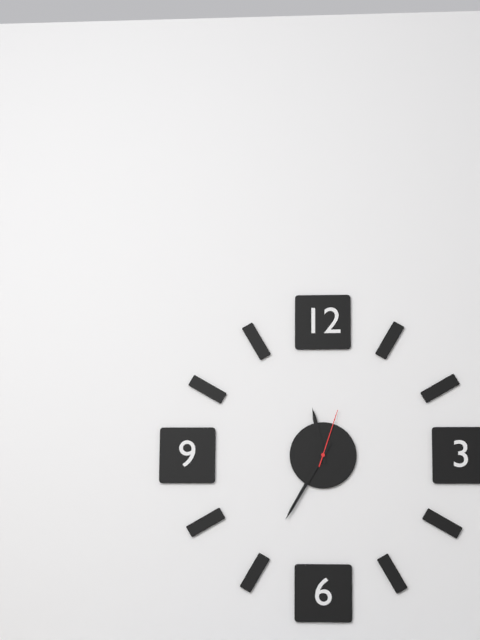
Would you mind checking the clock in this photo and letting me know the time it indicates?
11:35:03
